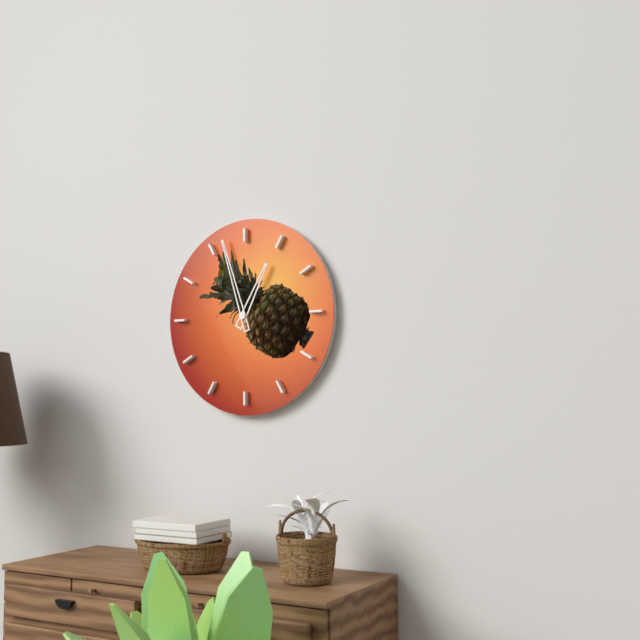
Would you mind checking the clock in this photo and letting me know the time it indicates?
12:57
